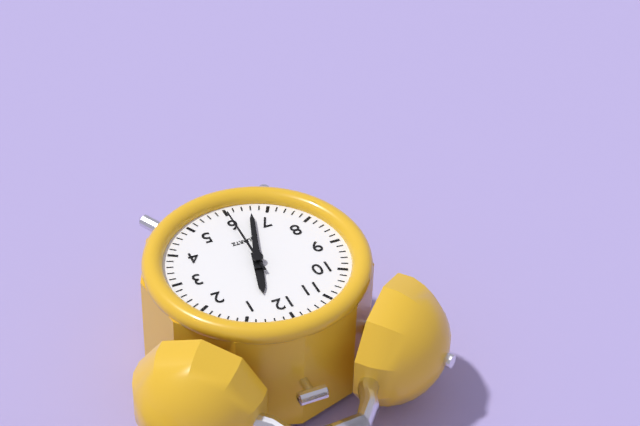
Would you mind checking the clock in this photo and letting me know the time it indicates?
12:33:30
